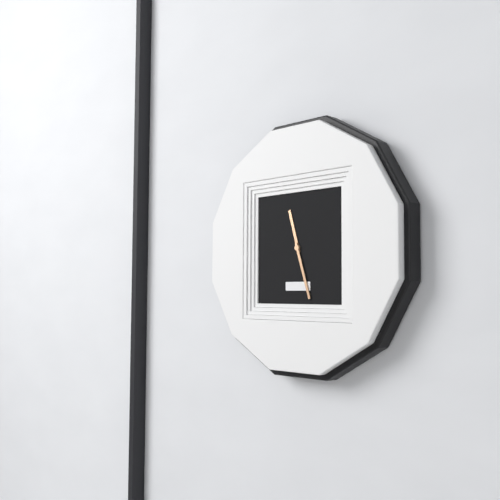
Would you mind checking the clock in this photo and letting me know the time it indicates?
11:27
